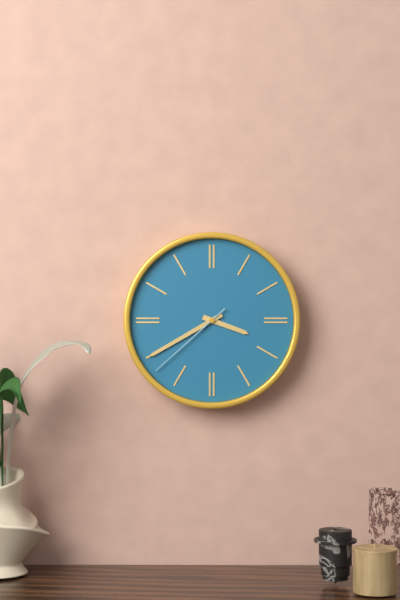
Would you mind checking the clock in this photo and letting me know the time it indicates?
3:40:38
